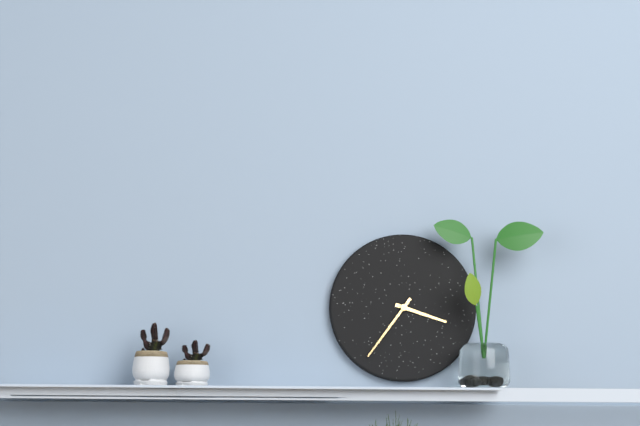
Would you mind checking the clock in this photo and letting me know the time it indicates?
3:36
